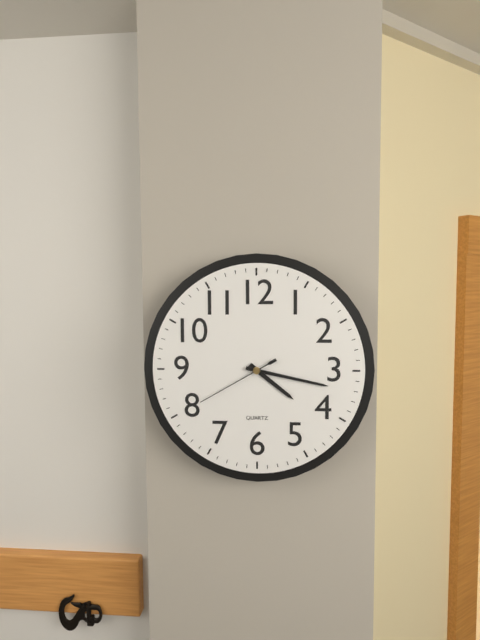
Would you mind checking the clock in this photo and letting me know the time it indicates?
4:17:40
